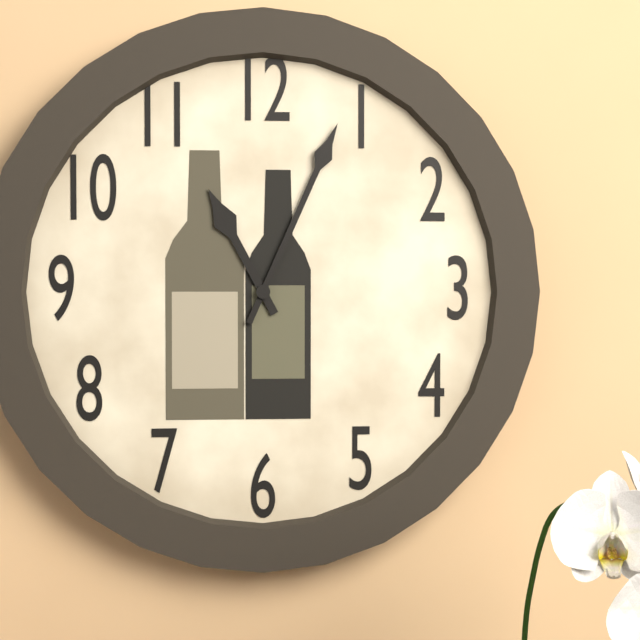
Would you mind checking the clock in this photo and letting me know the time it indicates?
11:04
